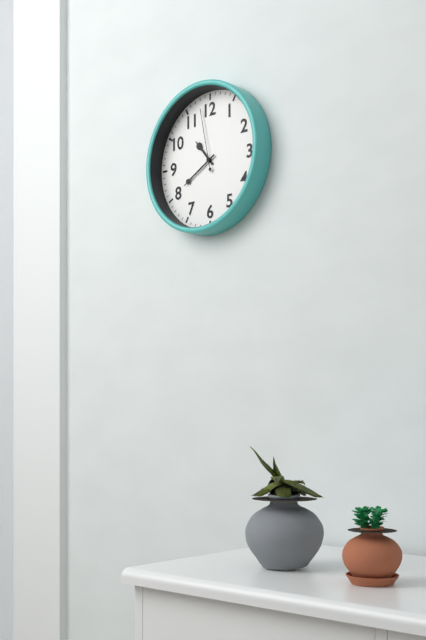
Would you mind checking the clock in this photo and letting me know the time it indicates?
10:40:58
